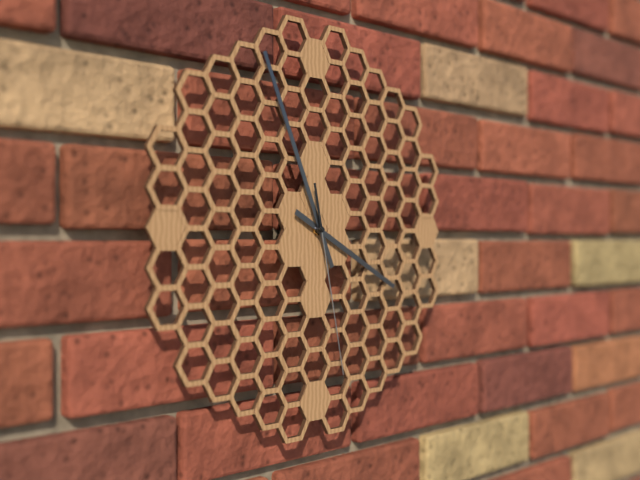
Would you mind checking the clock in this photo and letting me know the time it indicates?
3:56:28
